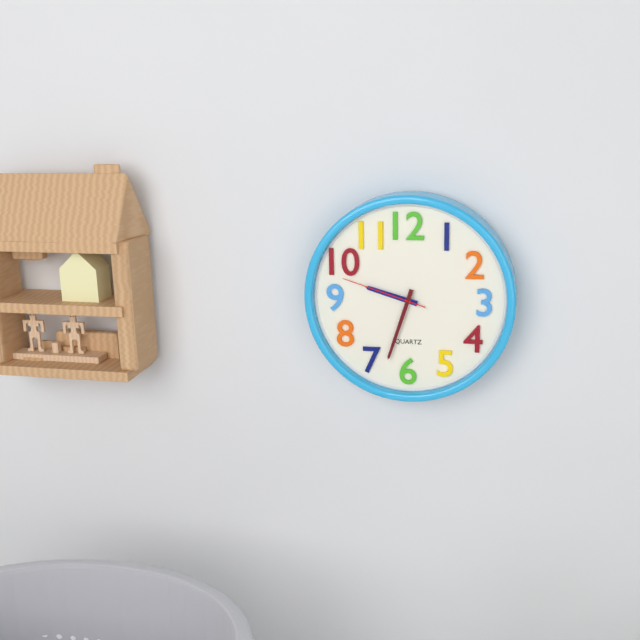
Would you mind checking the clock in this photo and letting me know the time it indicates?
9:33:48
